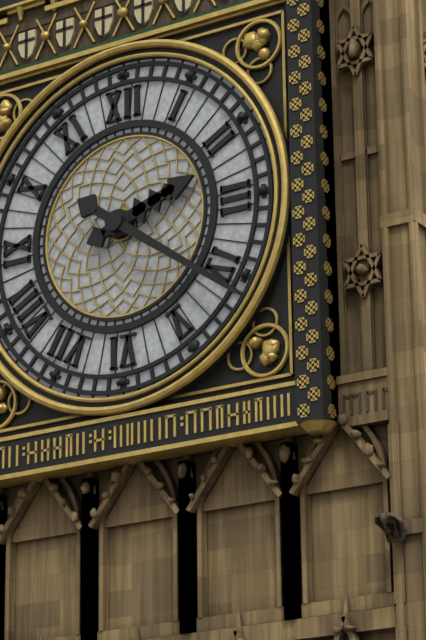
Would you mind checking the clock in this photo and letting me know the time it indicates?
2:21
